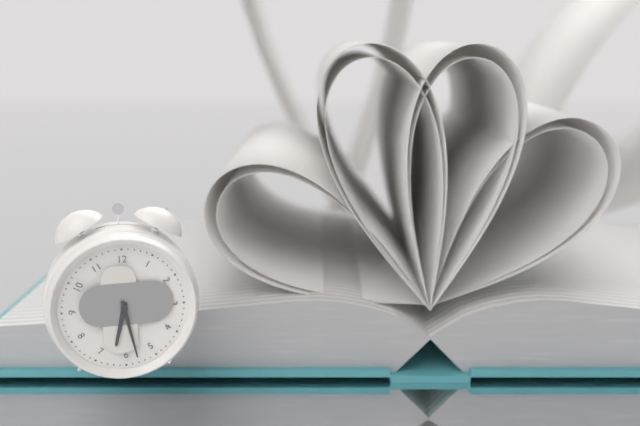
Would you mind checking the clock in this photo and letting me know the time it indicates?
6:28
